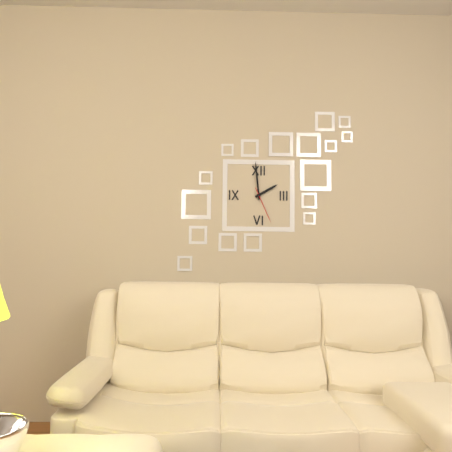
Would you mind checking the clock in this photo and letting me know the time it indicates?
1:59
